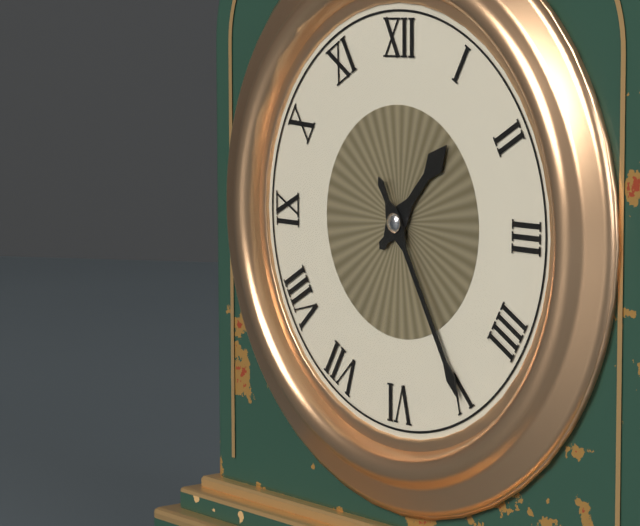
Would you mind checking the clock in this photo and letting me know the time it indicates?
1:25
